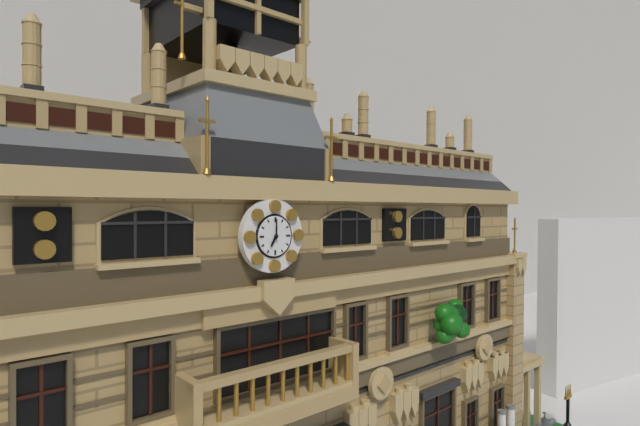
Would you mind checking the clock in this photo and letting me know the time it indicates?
7:00
